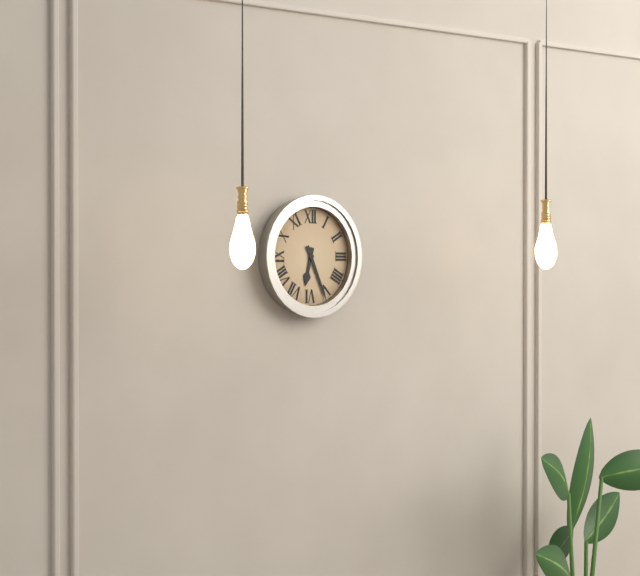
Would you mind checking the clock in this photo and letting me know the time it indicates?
6:26
